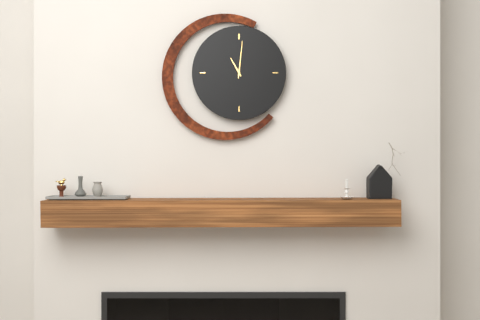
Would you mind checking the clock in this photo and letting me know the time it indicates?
11:01
